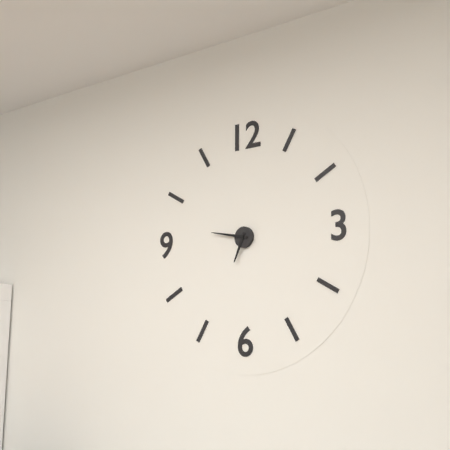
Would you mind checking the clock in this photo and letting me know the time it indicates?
6:47
